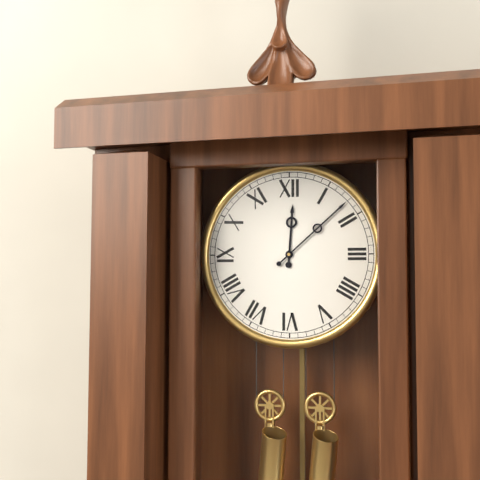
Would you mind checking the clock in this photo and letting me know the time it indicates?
12:08
